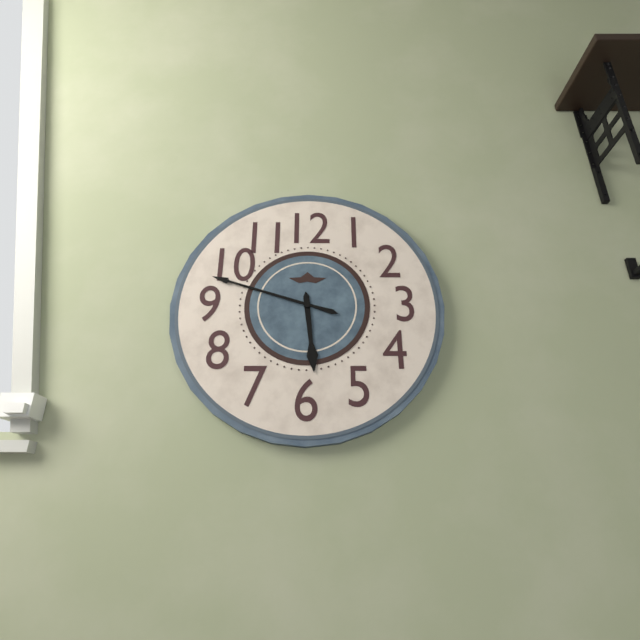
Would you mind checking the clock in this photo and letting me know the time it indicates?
5:48
